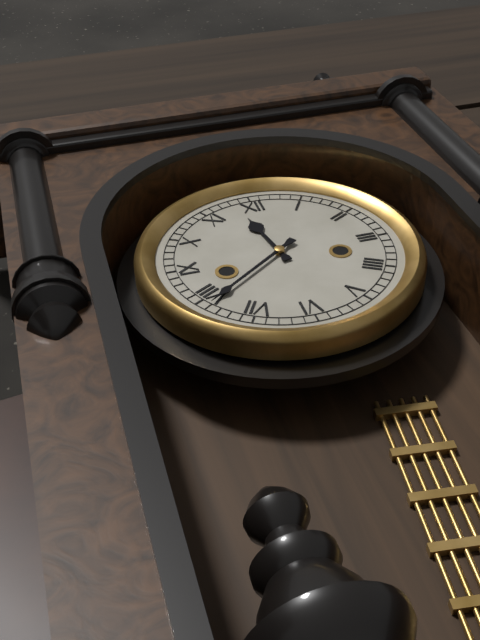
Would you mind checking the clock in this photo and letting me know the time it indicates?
11:39
